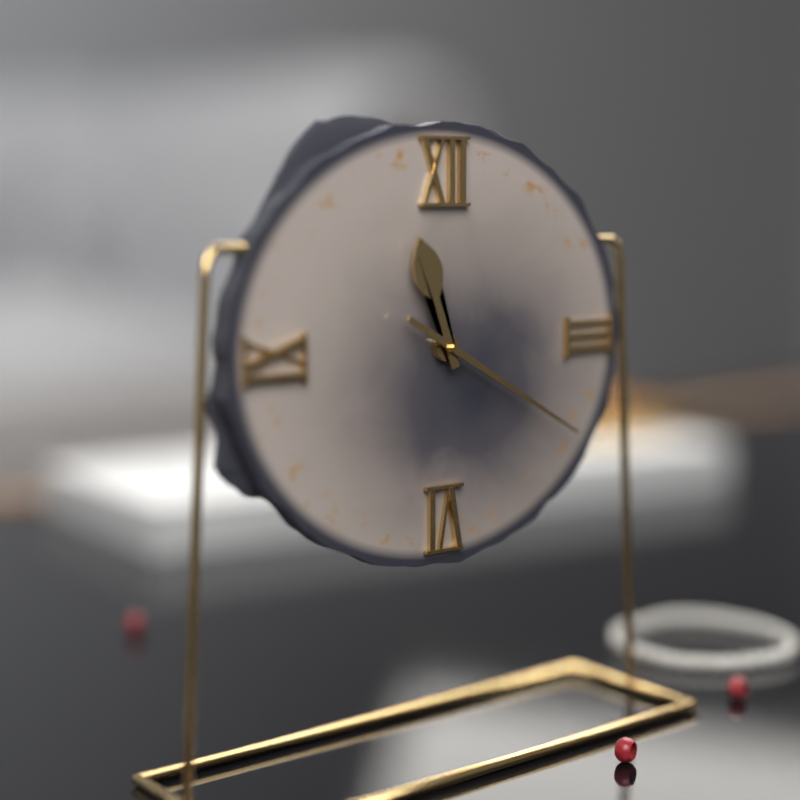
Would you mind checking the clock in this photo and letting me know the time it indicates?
11:20
